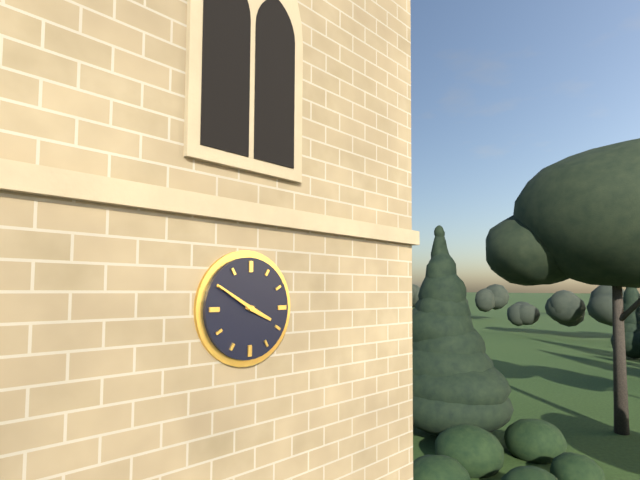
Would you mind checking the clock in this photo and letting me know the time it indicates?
3:50
